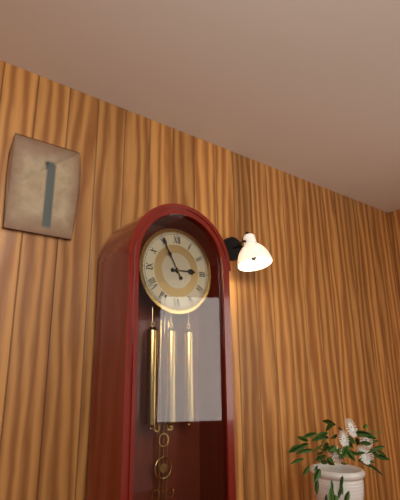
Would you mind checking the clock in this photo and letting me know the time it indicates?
2:55
